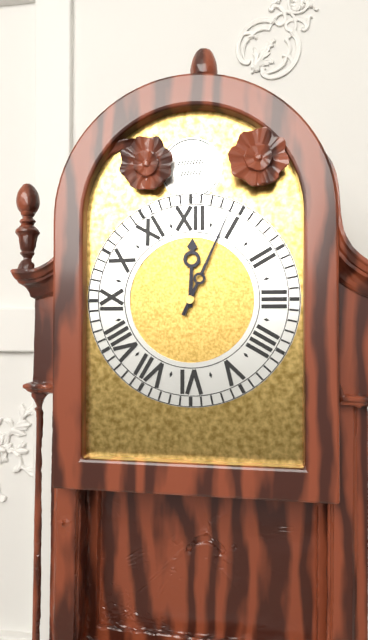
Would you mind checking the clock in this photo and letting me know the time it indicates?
12:04
